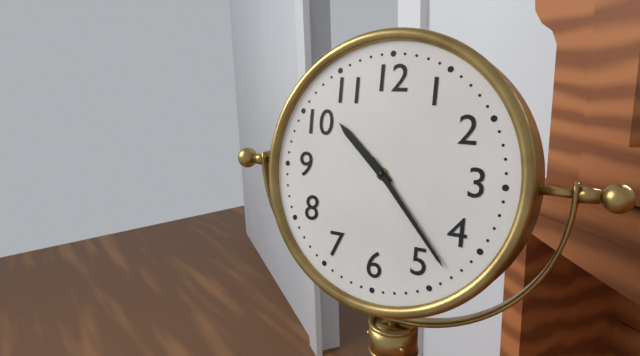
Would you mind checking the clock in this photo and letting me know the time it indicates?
10:23
